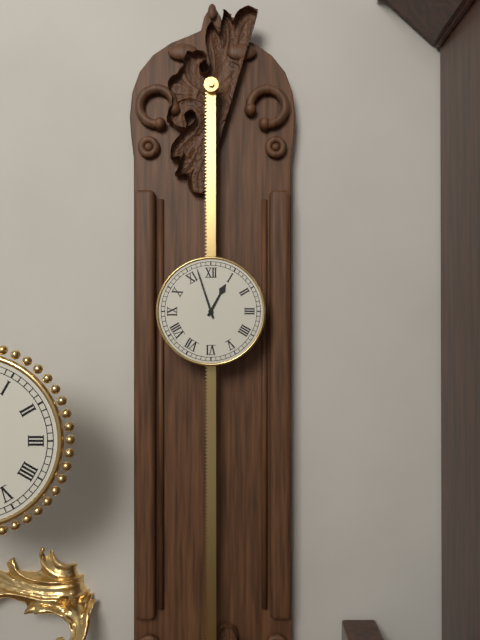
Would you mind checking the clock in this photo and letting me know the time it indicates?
12:57
